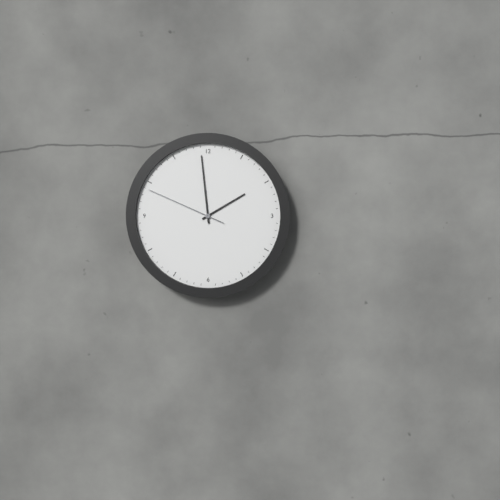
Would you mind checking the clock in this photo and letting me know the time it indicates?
1:59:49
